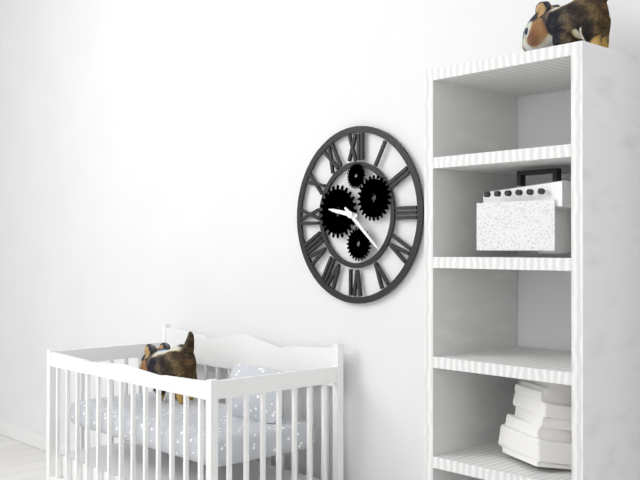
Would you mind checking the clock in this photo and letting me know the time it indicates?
9:22
